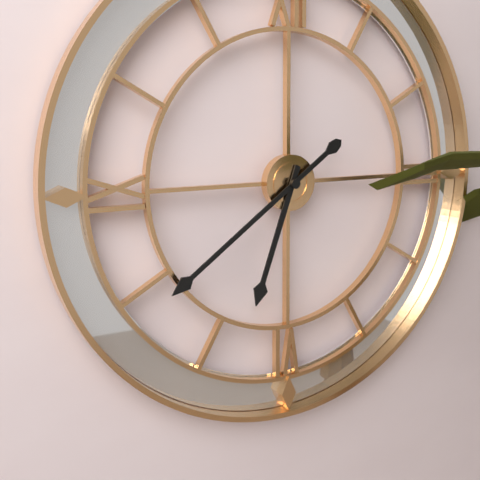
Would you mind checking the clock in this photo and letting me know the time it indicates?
6:39
